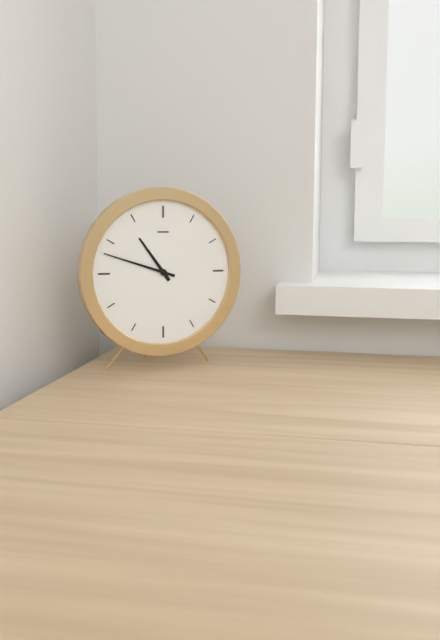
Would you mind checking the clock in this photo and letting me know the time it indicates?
10:48
